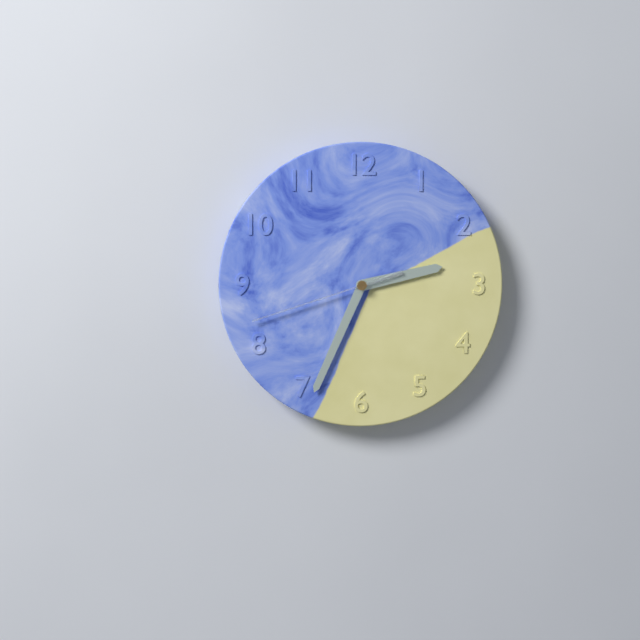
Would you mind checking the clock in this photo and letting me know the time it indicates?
2:34:42
